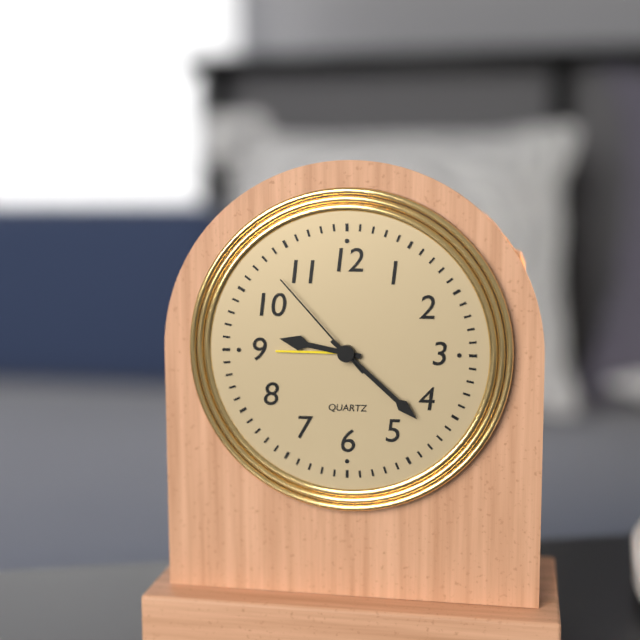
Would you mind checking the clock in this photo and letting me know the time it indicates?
9:22:53
